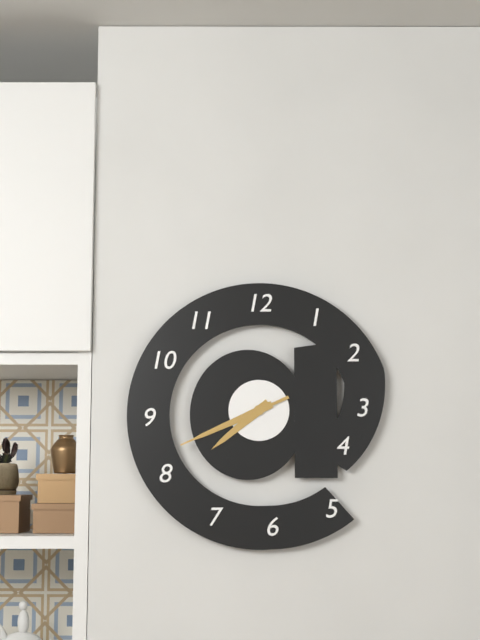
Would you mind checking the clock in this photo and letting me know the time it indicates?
7:41:41
